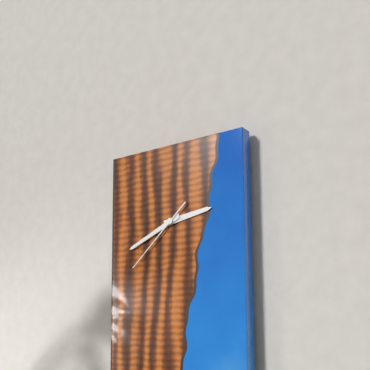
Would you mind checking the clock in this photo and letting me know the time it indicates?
2:41:38
